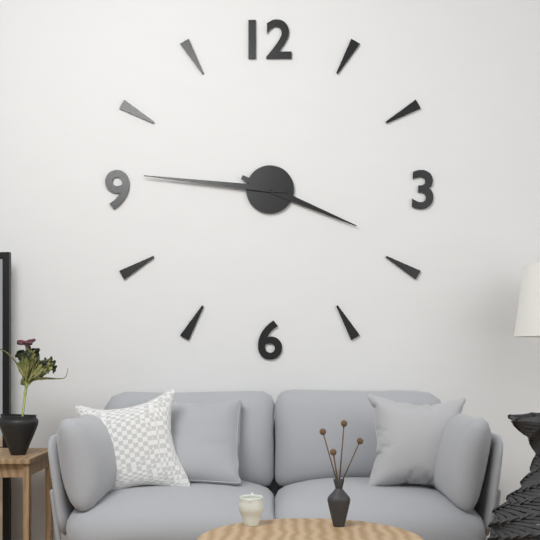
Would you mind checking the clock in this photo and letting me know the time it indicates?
3:46
